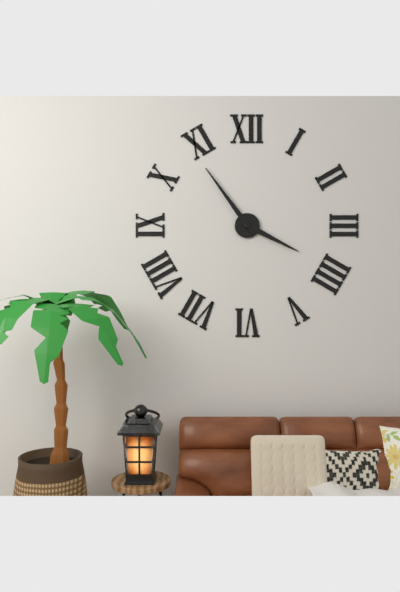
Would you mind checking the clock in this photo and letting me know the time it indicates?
3:54
